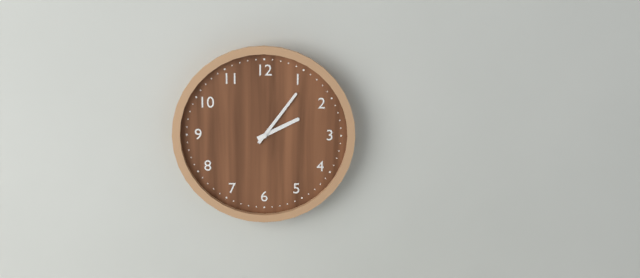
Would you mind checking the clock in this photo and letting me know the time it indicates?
2:06
